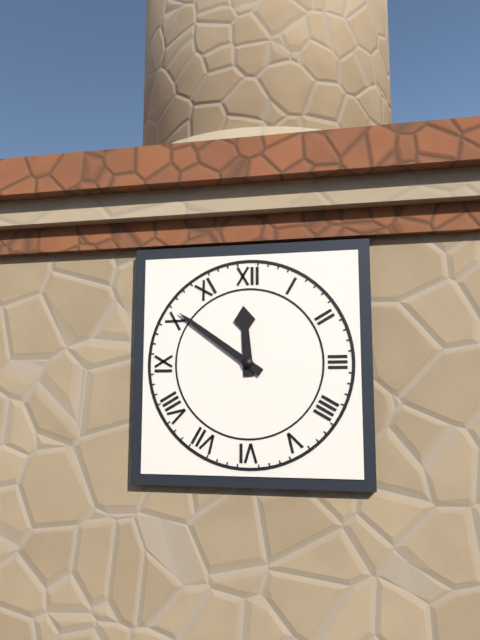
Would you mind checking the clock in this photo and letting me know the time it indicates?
11:51
